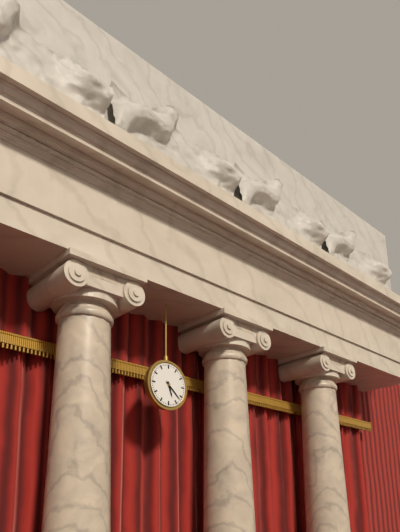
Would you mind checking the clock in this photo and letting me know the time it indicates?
5:22
